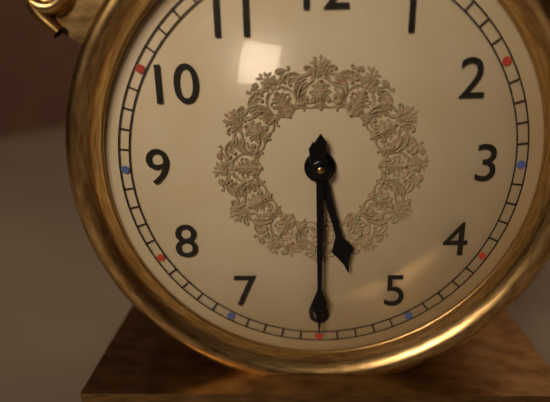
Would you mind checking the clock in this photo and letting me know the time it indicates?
5:30
